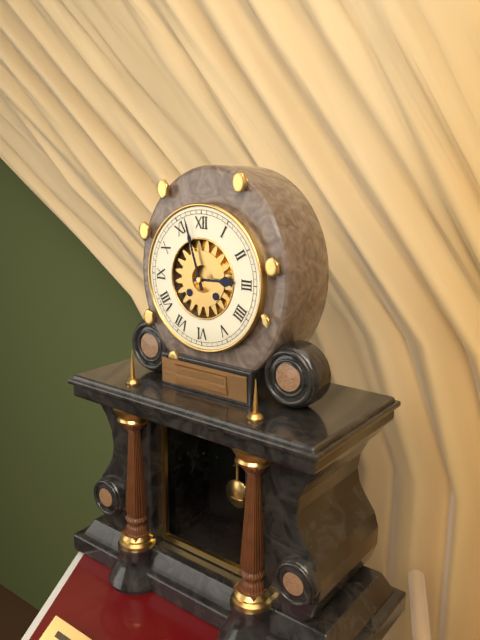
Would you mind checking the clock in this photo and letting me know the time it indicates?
2:57
